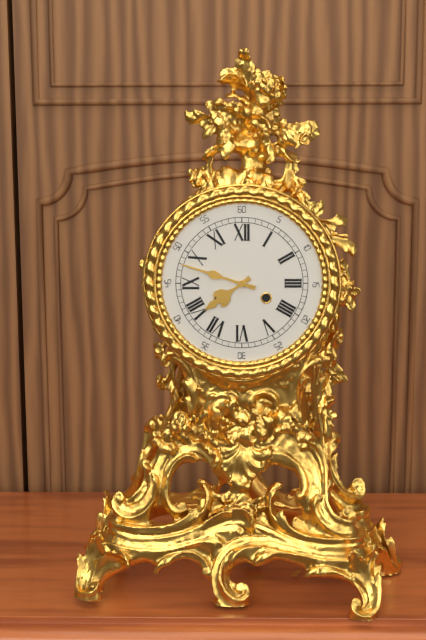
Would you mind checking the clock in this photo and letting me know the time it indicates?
7:48
